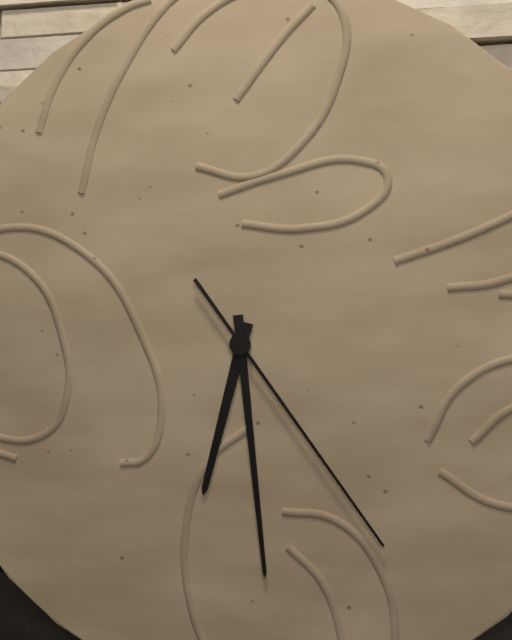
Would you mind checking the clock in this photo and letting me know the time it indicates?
6:29:24
